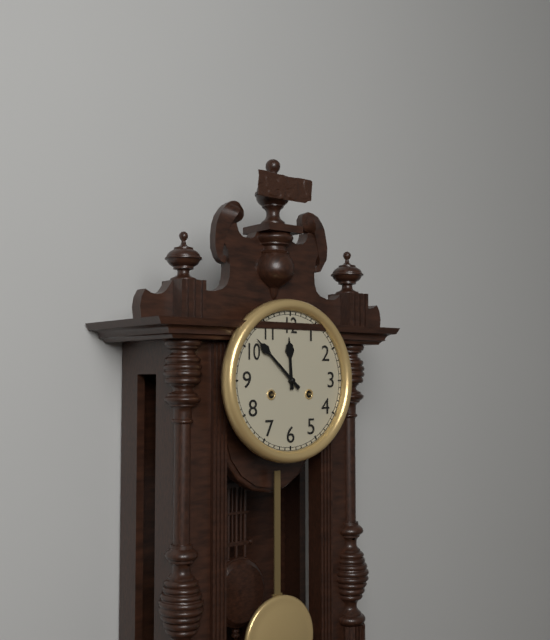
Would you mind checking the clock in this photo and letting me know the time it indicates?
11:52
